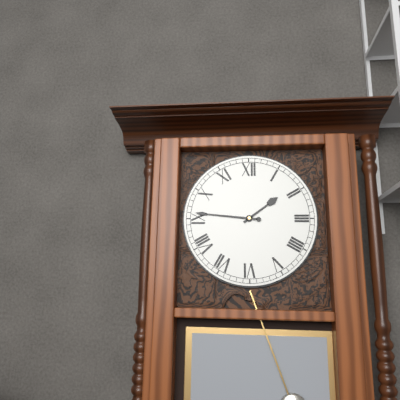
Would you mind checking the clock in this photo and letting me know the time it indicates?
1:46
